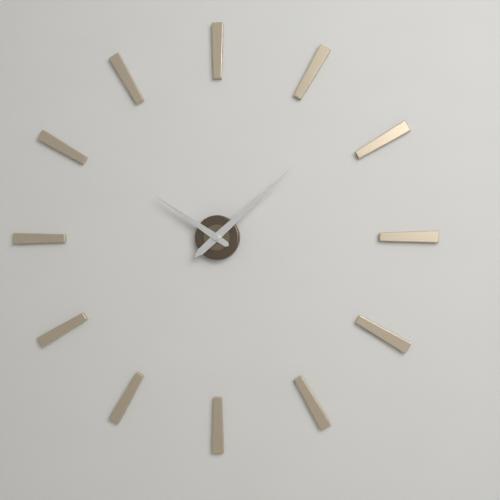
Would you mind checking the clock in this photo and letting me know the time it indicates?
10:08
